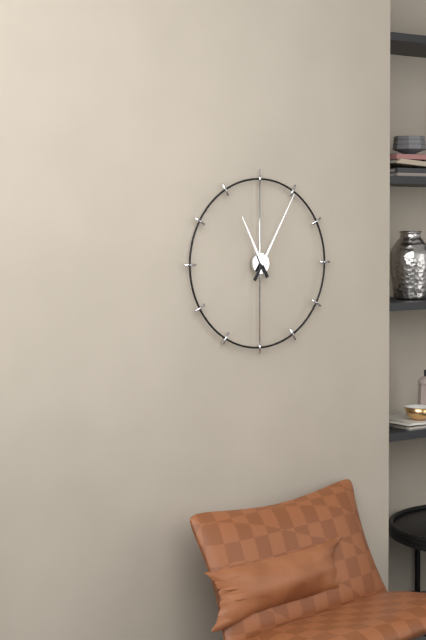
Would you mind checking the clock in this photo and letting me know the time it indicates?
11:05
